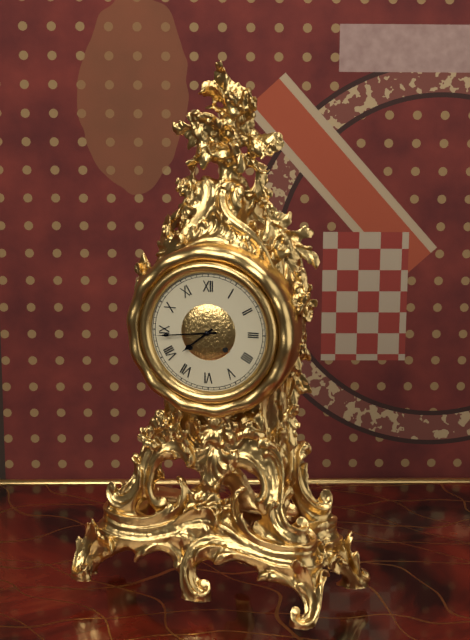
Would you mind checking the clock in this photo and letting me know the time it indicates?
7:44
